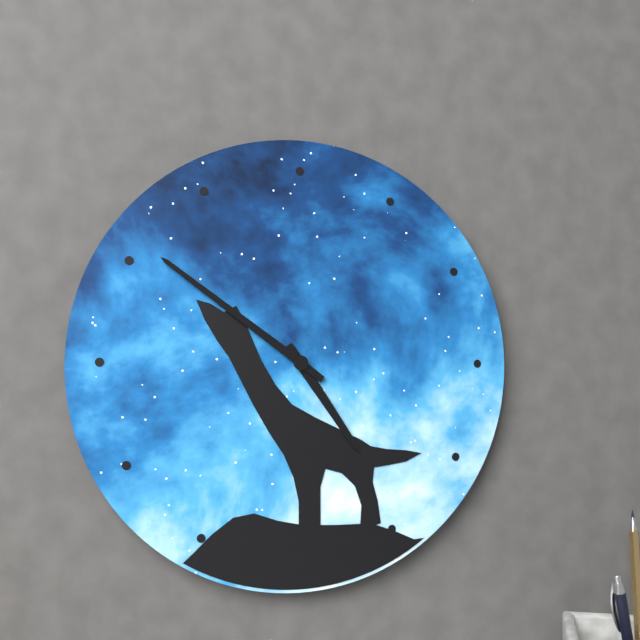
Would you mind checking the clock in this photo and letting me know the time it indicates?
4:51
